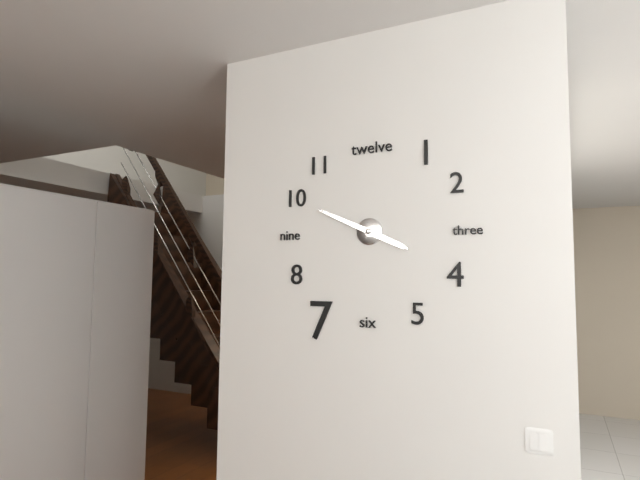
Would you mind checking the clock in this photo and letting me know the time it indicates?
3:49
